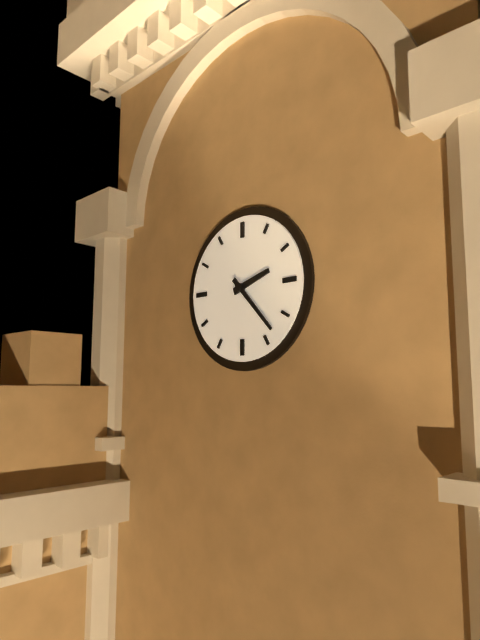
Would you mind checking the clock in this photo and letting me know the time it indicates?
2:23
